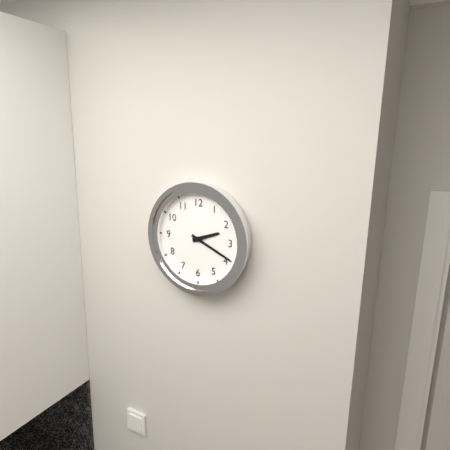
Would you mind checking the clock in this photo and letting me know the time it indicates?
2:19
